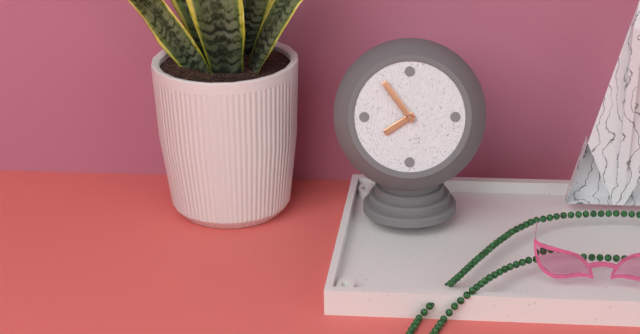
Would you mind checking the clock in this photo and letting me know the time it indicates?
7:54
